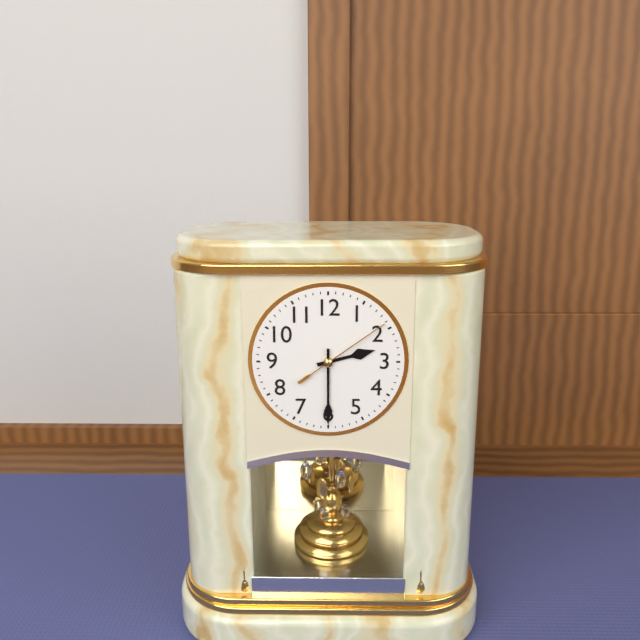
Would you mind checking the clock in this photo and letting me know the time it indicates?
2:30:09
